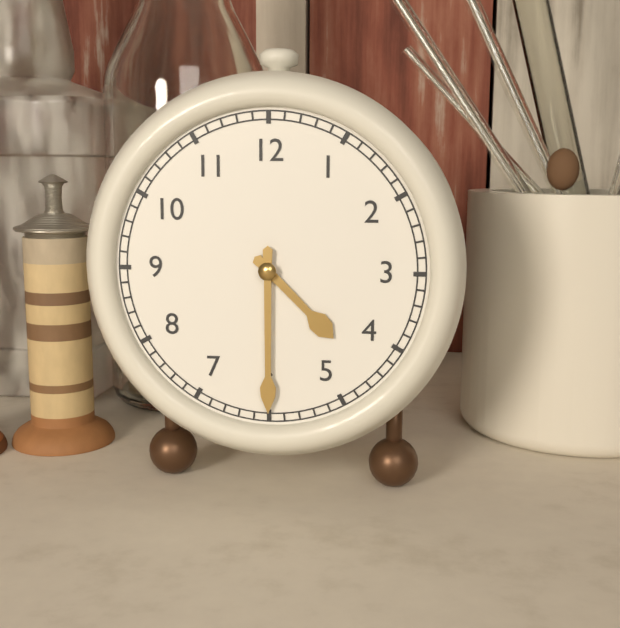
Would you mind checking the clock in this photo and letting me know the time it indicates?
4:30
